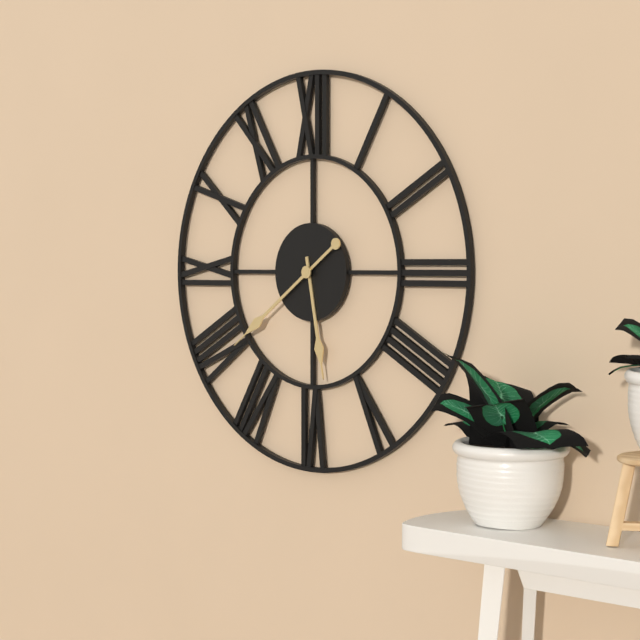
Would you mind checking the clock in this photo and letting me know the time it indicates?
5:39
